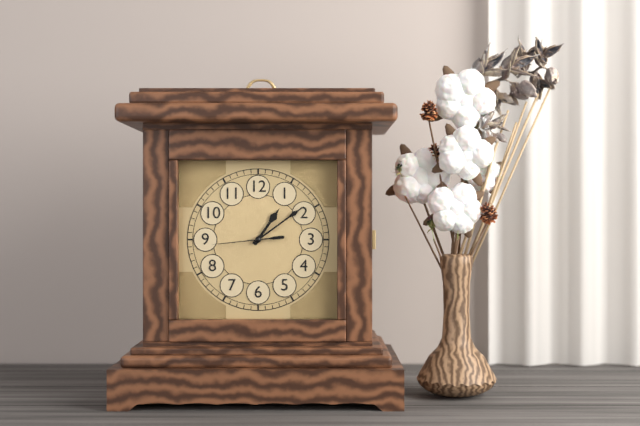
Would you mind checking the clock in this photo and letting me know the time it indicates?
1:09:44
